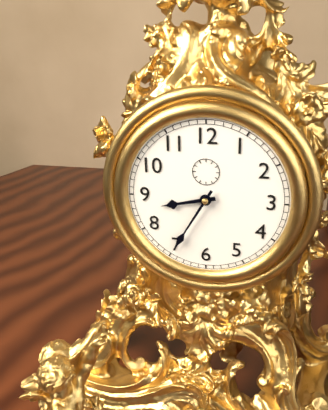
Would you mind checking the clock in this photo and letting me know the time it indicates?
8:35
